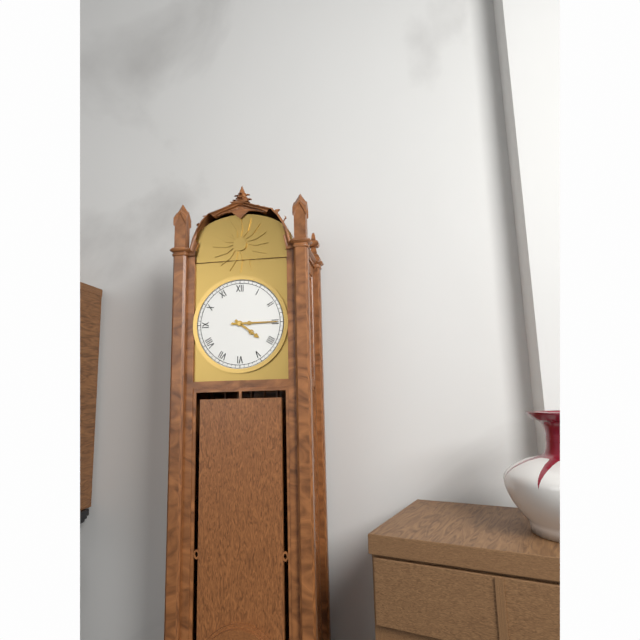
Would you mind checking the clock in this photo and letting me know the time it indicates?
4:15
